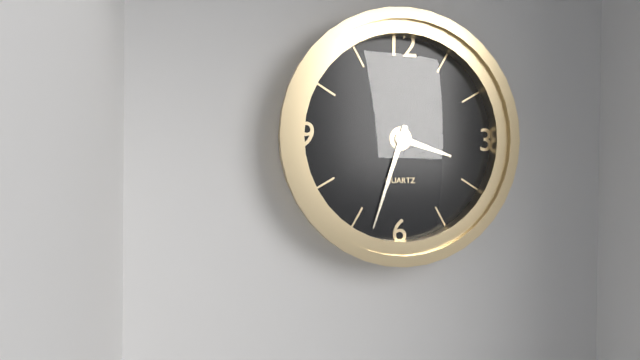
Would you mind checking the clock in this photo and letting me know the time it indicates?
3:33
